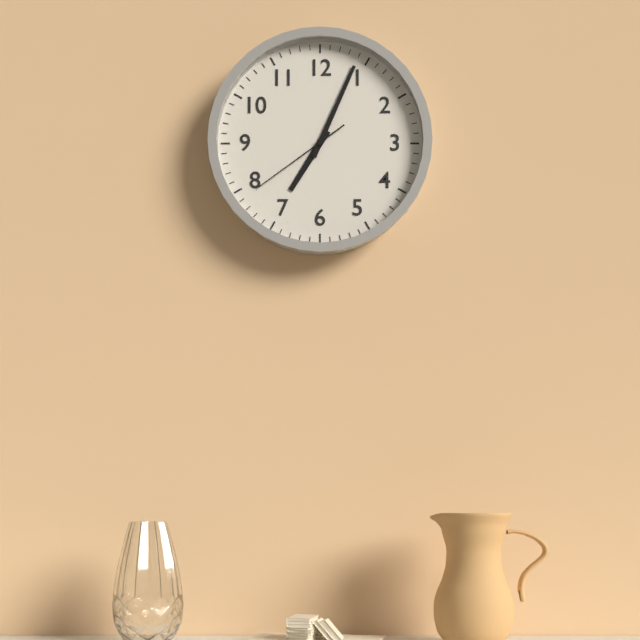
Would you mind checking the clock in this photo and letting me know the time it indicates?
7:04:39
